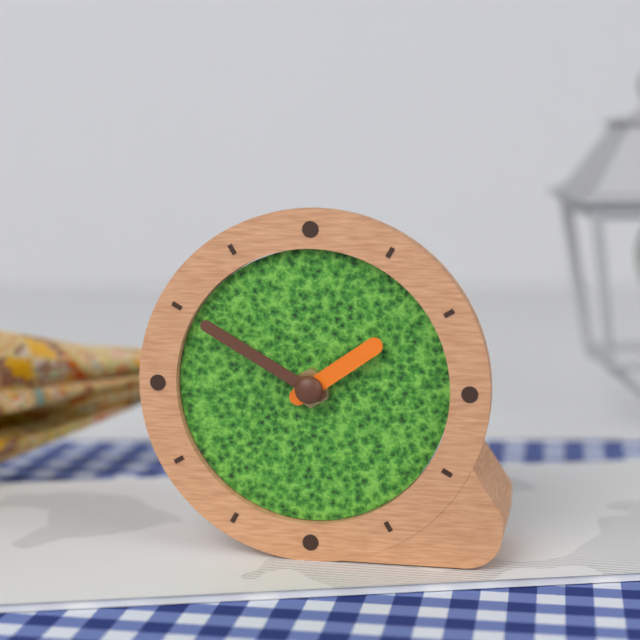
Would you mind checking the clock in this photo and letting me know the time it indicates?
1:50
